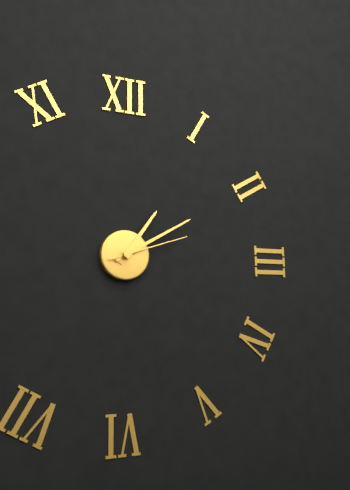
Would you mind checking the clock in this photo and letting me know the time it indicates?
1:10:12
